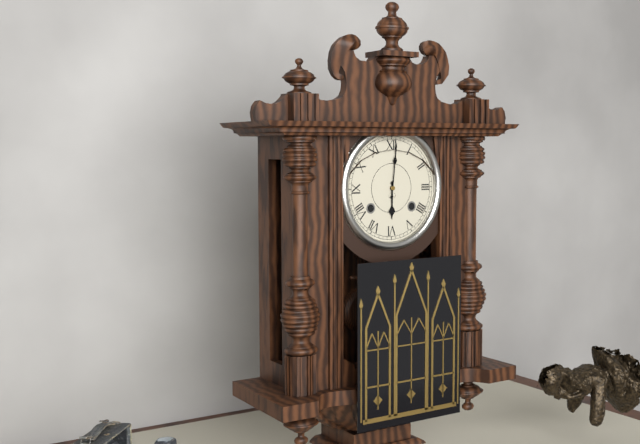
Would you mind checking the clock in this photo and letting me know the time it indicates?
6:01
